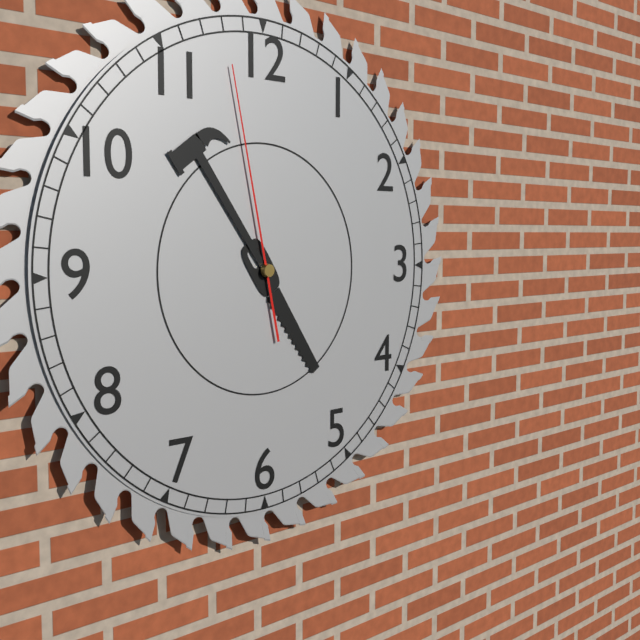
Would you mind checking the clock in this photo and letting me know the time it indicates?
4:54:58
